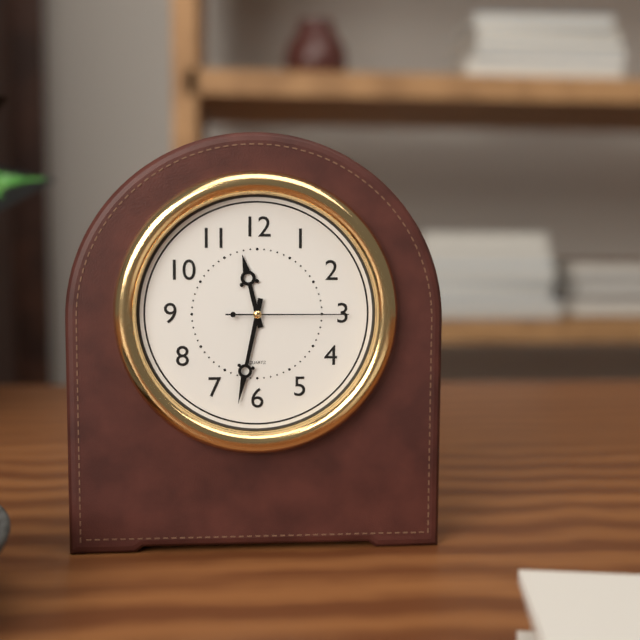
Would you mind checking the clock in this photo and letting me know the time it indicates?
11:32:15
